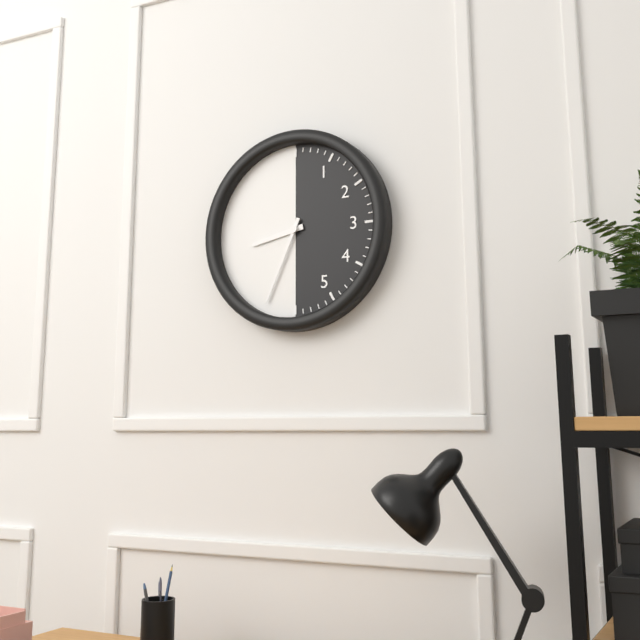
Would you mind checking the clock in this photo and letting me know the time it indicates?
8:34
